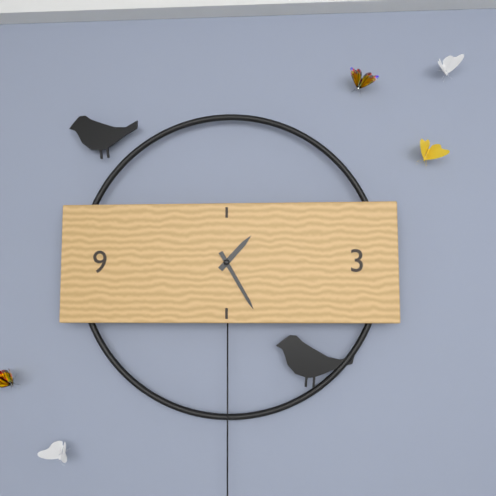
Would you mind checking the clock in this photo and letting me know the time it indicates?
1:25
